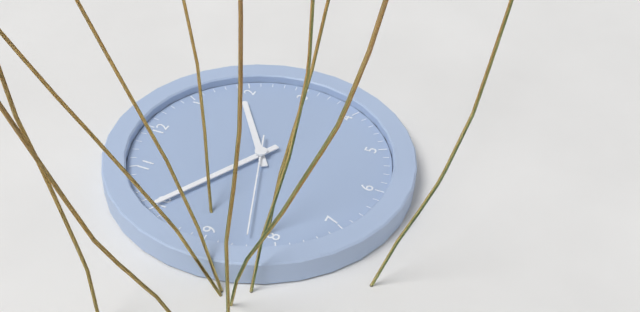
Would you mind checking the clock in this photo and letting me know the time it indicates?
1:50:42
